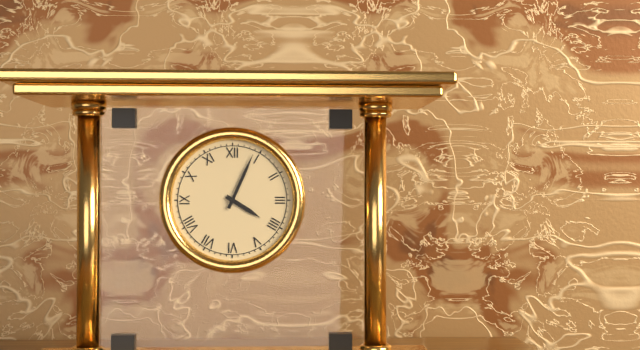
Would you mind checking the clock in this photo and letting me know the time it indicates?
4:04
